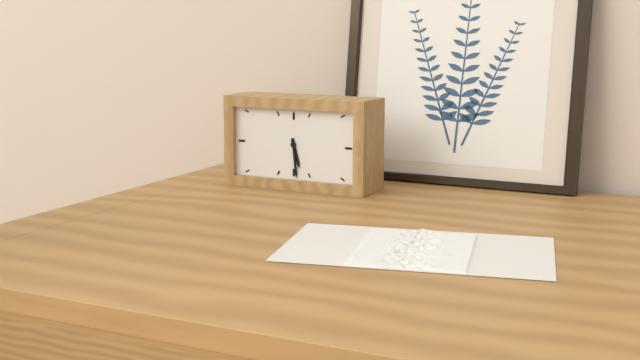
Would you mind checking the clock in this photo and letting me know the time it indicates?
5:29
